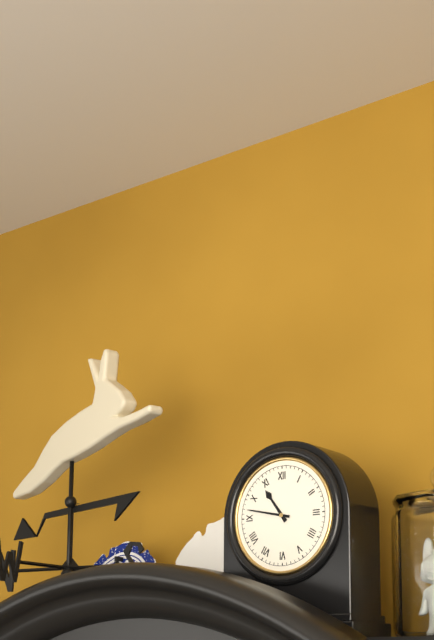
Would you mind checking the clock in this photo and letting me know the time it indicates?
10:47
